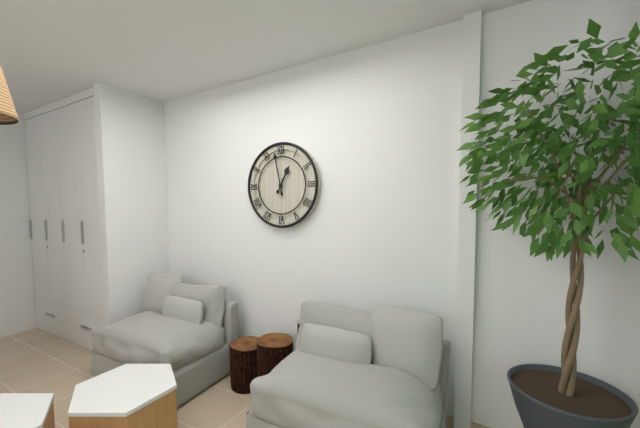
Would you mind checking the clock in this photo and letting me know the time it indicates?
12:58
